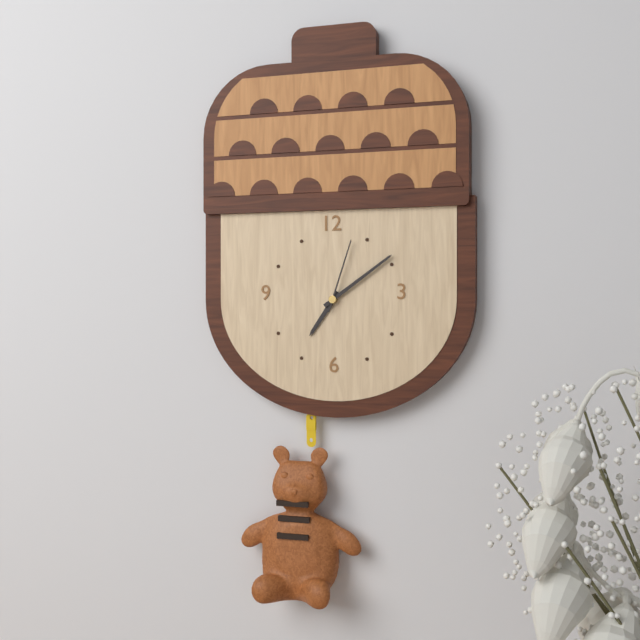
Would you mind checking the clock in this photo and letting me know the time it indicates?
7:09:03
